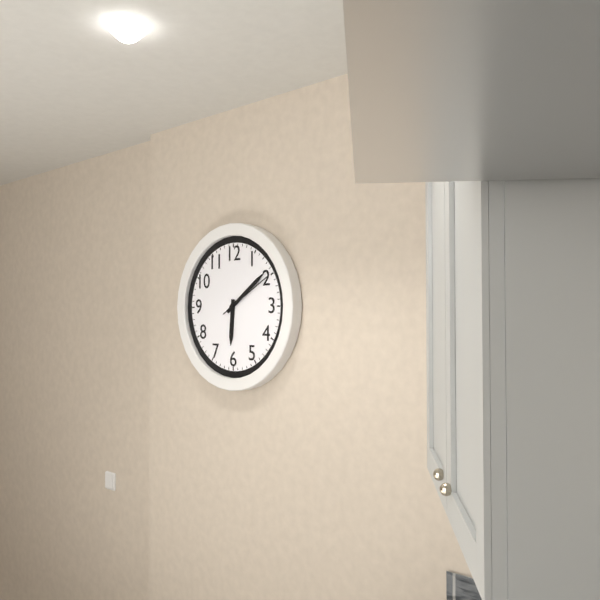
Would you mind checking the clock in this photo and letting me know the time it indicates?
6:09:10
